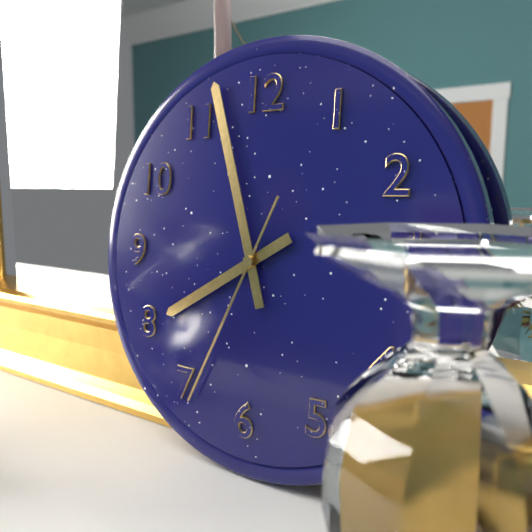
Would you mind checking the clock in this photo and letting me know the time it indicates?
7:57:34
